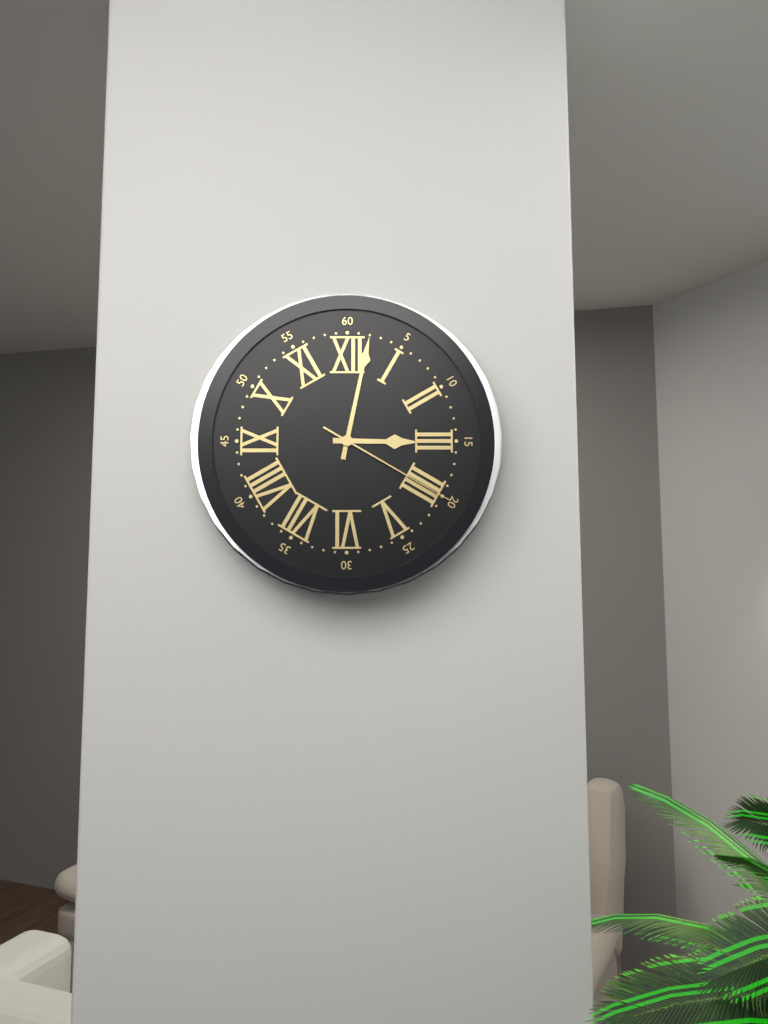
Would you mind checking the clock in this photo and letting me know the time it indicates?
3:02:20
